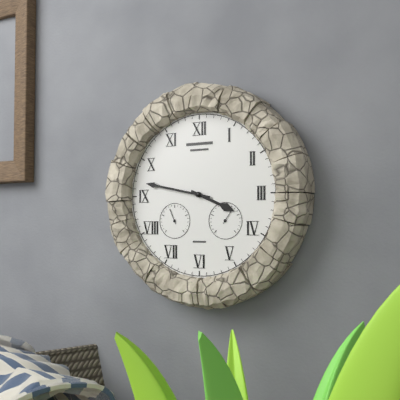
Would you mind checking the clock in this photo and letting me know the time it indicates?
3:47
